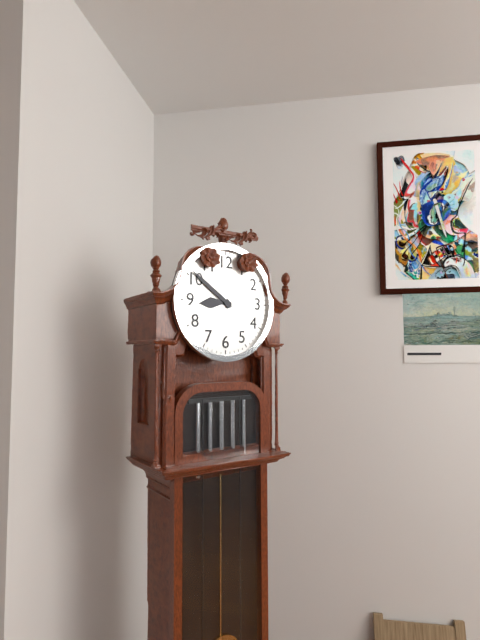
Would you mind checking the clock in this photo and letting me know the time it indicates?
8:51
